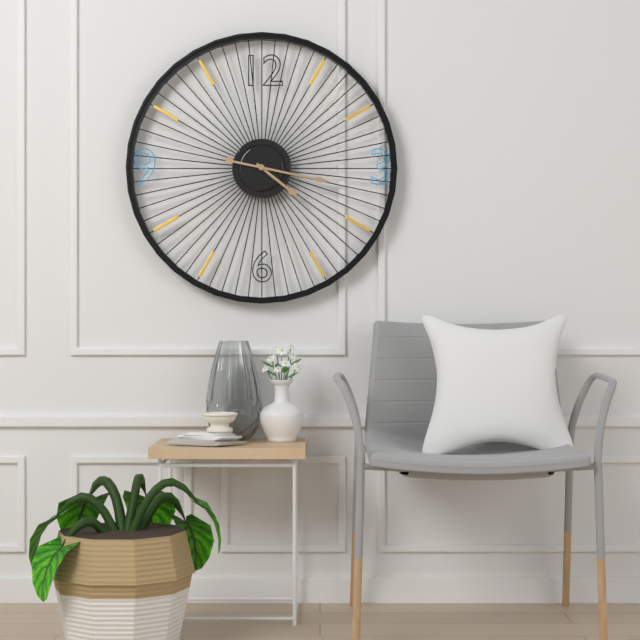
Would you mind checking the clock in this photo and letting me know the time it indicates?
4:17
